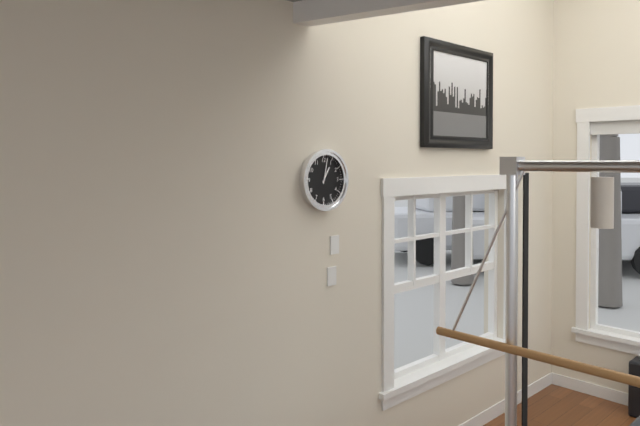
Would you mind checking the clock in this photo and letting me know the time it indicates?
1:02
